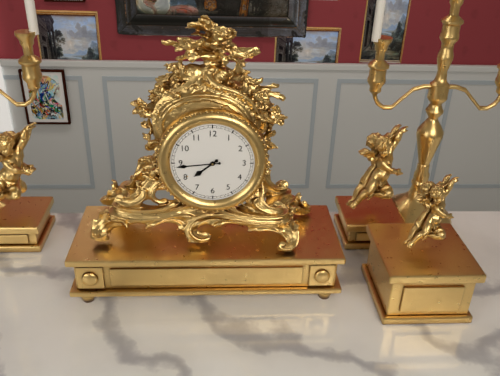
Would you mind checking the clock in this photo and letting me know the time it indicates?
7:44
